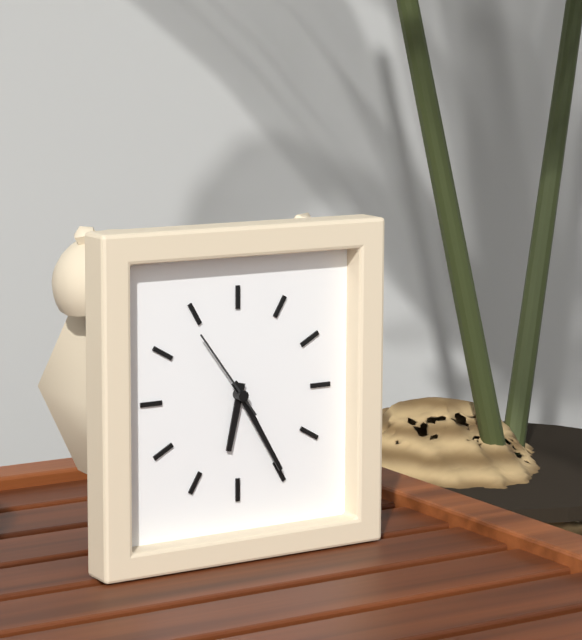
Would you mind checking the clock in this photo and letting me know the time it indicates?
6:25:54
